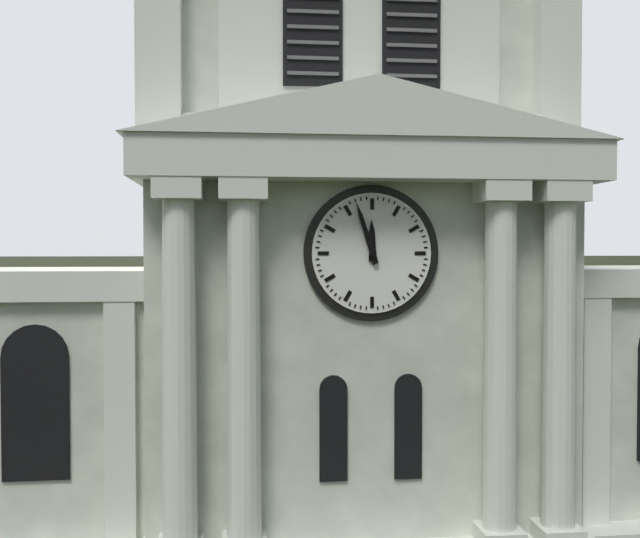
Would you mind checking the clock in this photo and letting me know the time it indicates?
11:57
